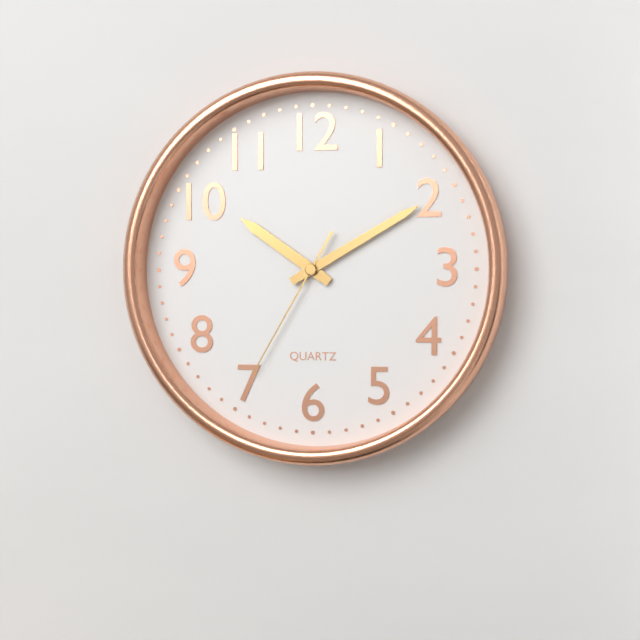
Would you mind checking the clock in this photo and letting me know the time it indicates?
10:10:35
